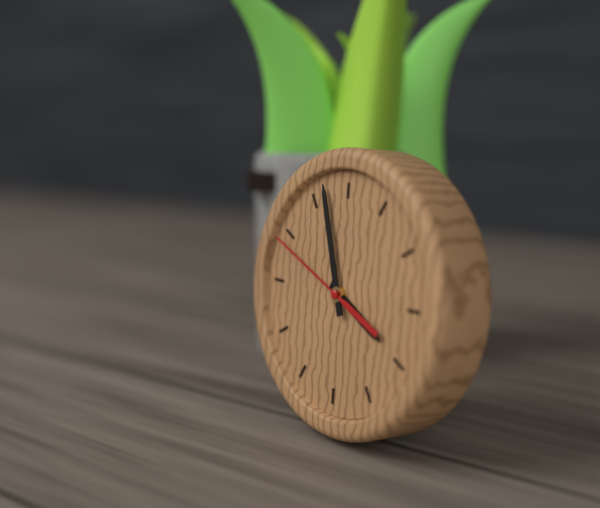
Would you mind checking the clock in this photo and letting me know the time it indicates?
3:57:49
